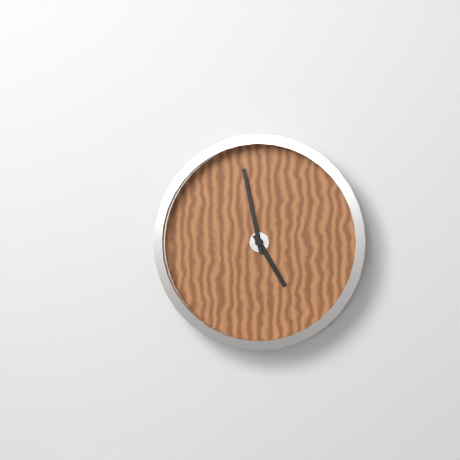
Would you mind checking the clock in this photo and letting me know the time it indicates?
4:58
